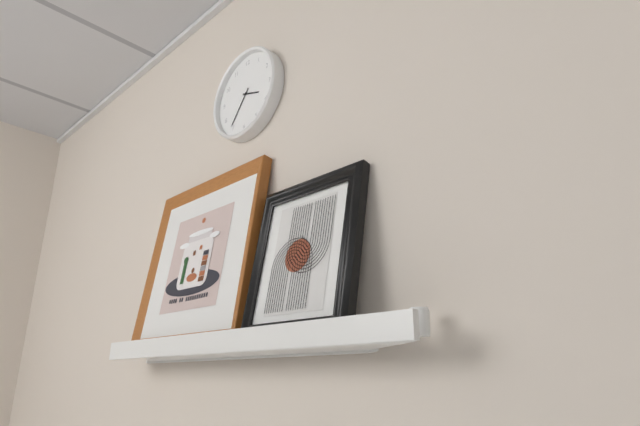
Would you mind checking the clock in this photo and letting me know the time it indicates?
3:36
